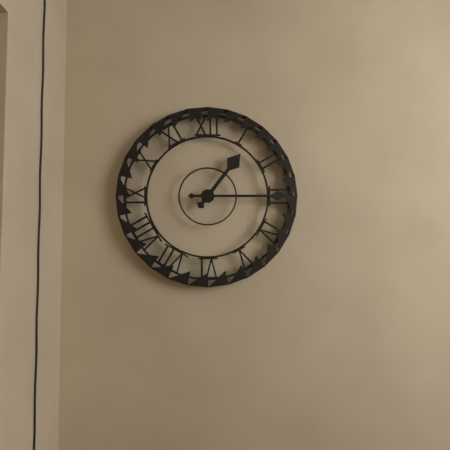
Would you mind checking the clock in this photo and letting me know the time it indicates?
1:15
